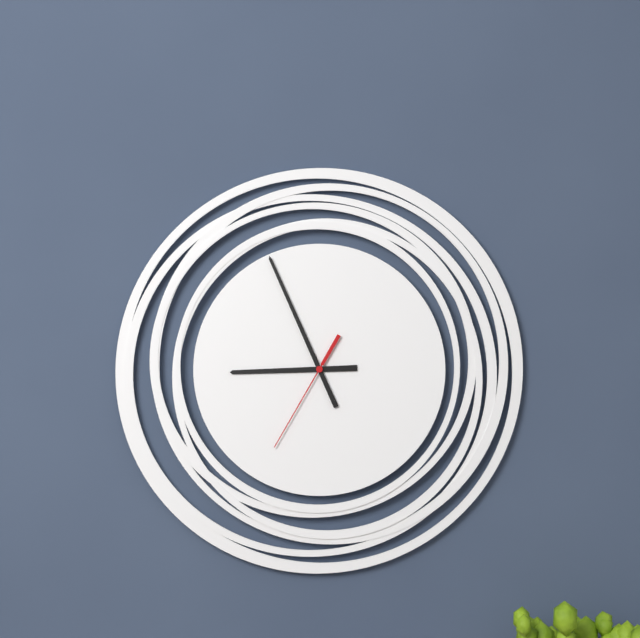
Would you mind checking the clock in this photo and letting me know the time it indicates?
8:56:35
